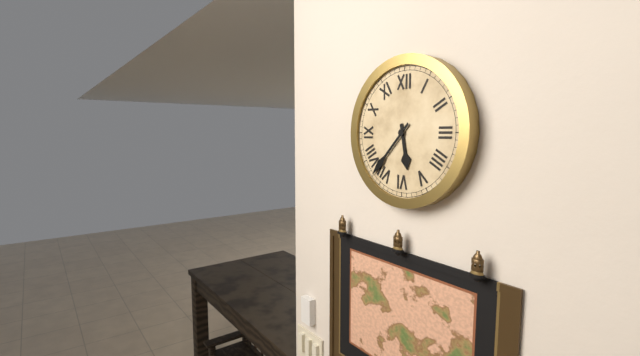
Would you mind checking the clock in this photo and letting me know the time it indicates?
5:37
